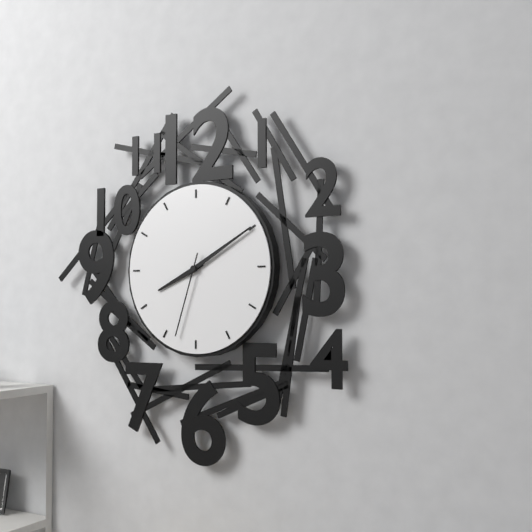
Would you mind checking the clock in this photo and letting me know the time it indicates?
8:10:33
